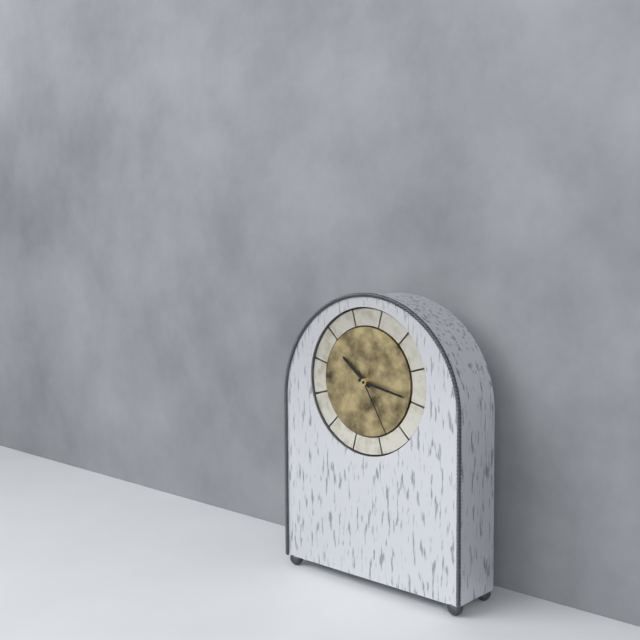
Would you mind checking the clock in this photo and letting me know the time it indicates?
10:17:25
